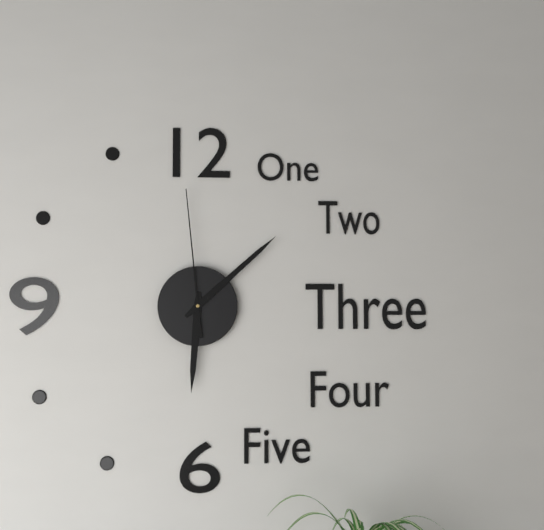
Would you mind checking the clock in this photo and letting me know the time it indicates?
6:08:59
